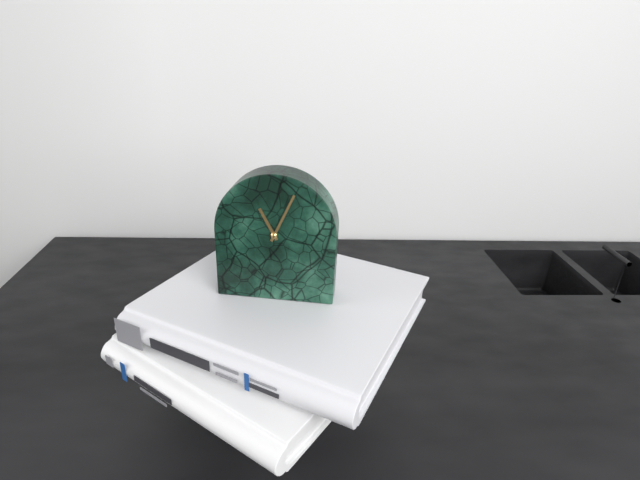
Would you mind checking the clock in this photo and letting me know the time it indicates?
11:04
